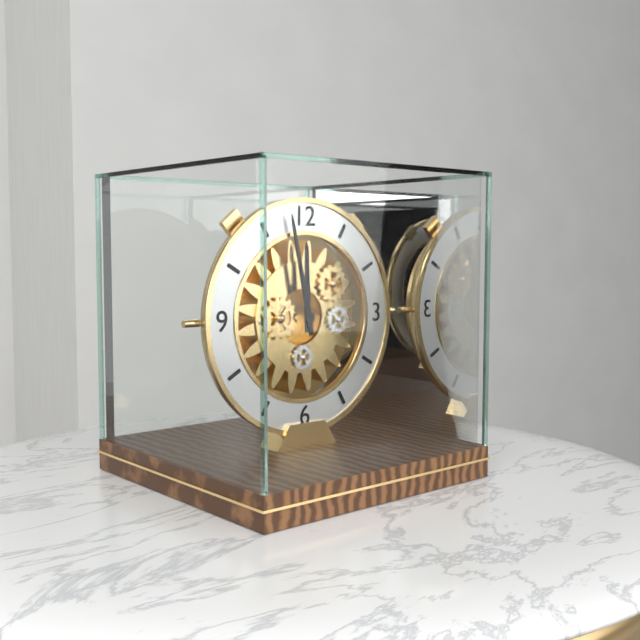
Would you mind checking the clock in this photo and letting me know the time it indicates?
11:58
